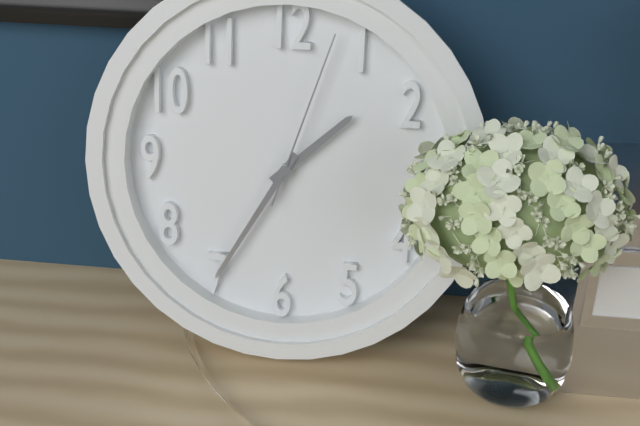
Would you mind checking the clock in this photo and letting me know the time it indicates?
1:35:03
